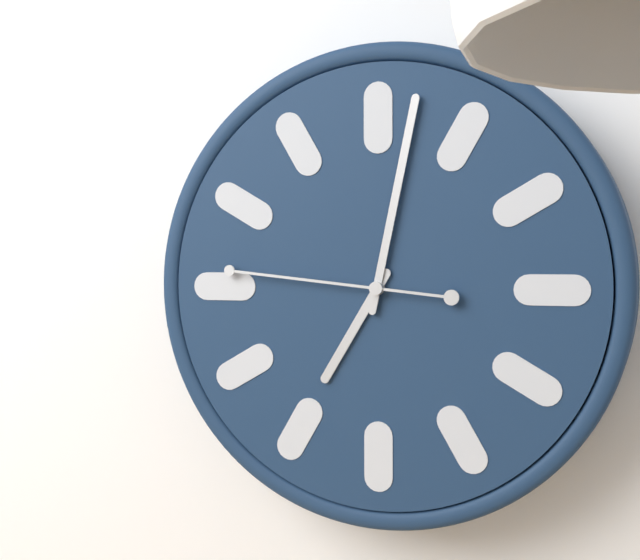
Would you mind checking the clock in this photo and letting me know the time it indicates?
7:02:46
